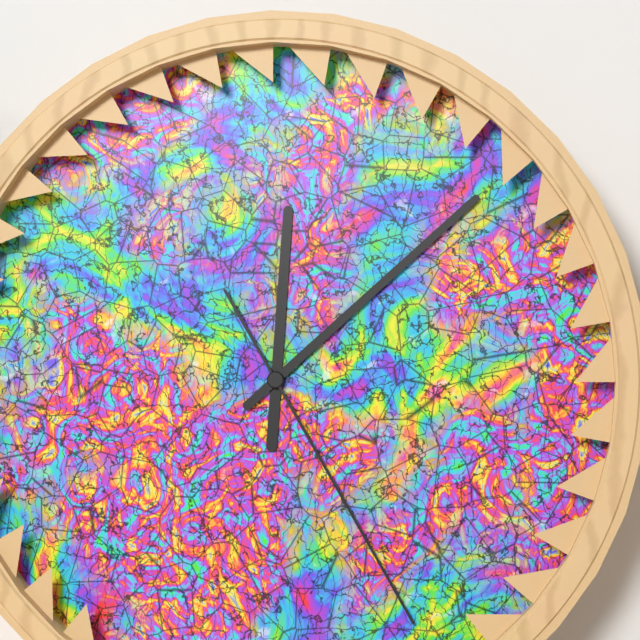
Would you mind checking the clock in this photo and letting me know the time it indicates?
12:08:25
